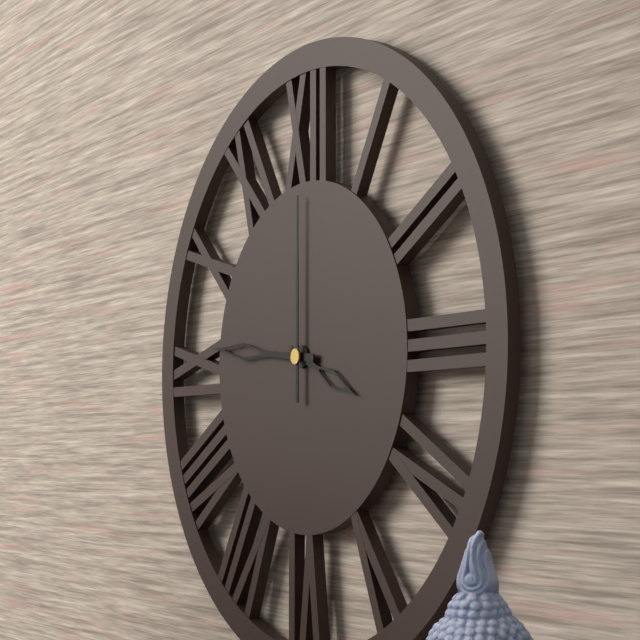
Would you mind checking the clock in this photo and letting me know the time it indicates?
3:46:00
